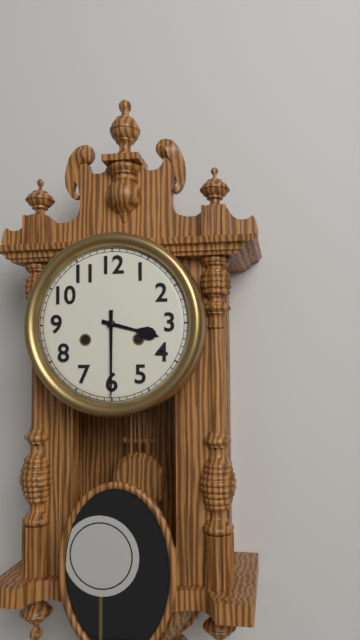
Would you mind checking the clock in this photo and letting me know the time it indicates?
3:30
